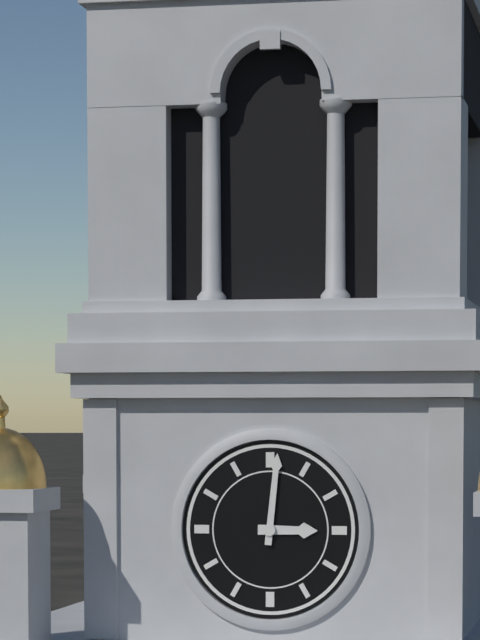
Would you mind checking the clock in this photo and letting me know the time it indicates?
3:01
